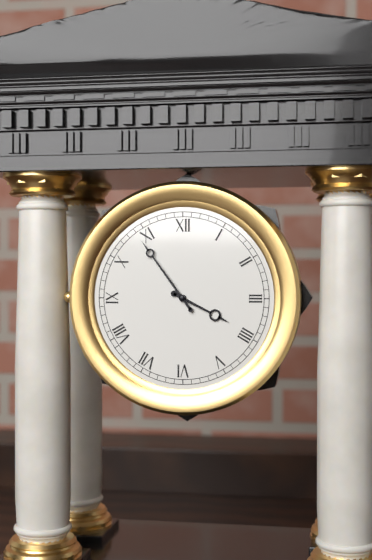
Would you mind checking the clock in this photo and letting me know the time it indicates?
3:54
